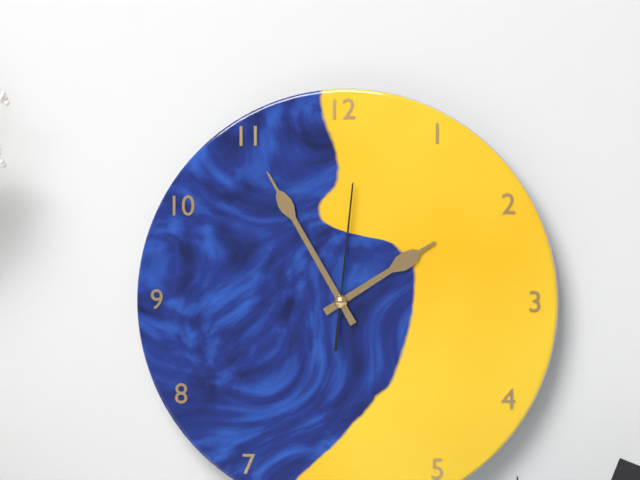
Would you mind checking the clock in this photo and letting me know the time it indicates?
1:55:01
